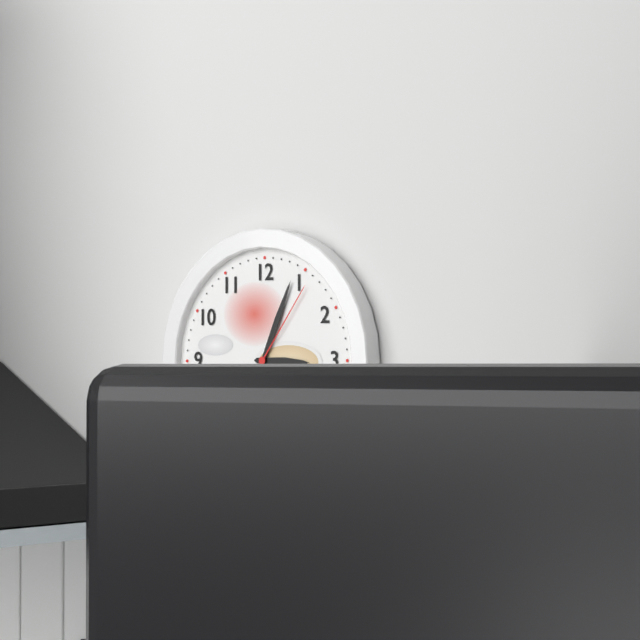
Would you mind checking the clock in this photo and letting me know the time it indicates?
3:04:06
